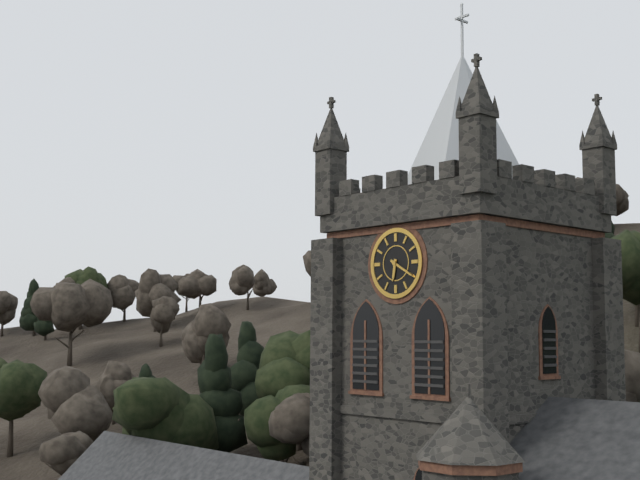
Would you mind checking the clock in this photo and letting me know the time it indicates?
6:20
